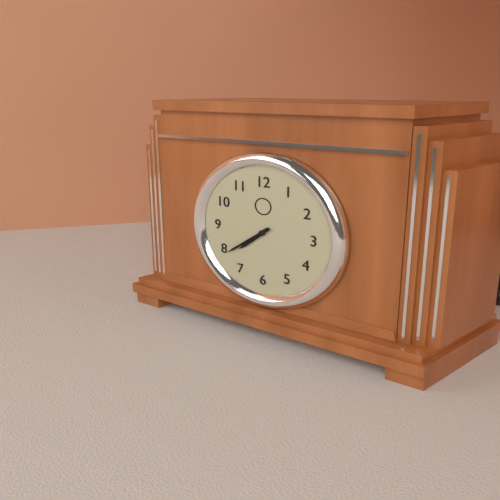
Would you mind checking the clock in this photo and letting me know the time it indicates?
7:39
